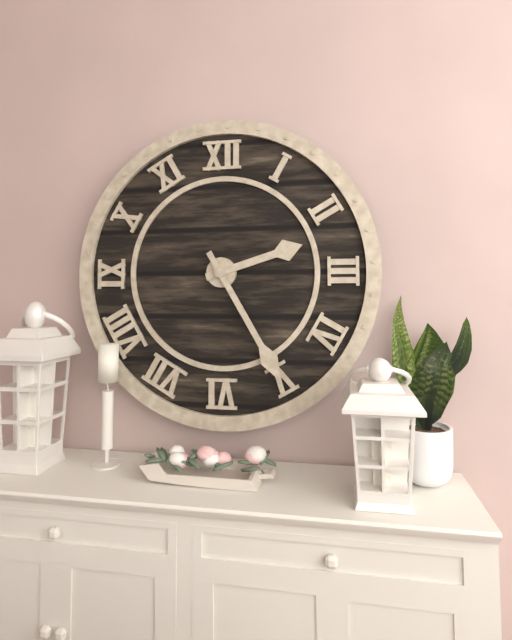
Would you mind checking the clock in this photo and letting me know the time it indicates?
2:25
